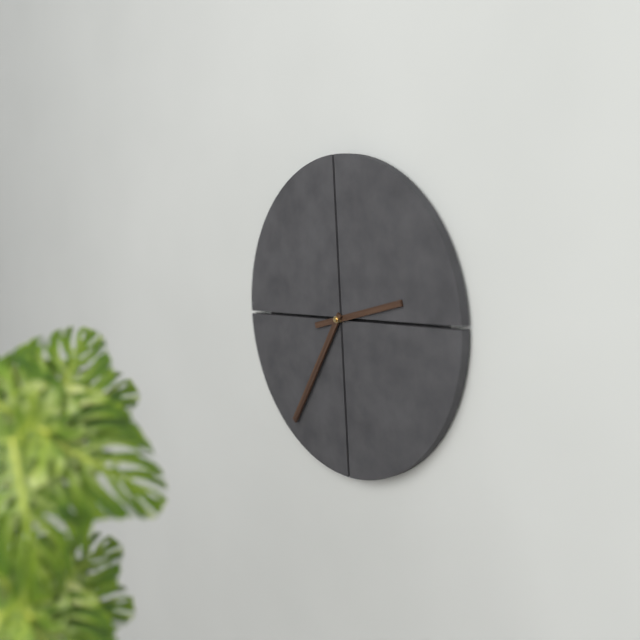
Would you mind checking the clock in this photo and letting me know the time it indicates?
2:36
